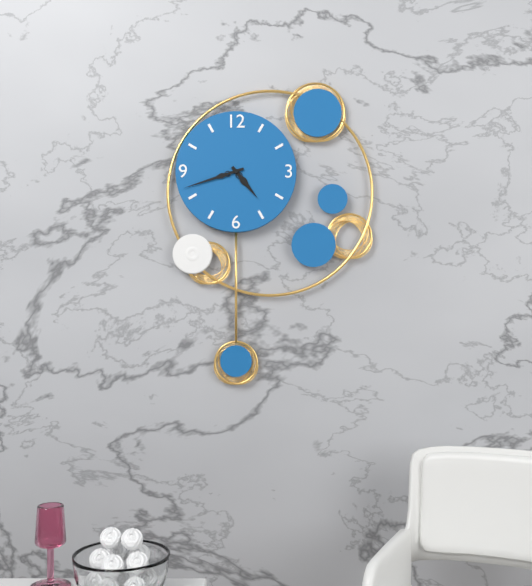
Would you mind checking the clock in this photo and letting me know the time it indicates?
4:42
